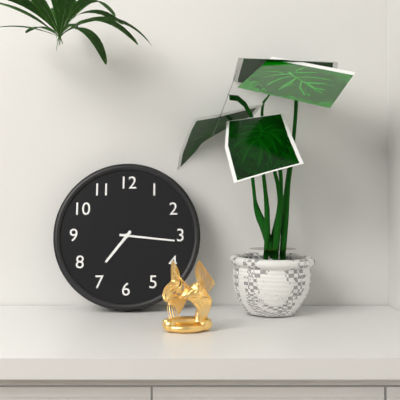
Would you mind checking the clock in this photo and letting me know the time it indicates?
7:16
